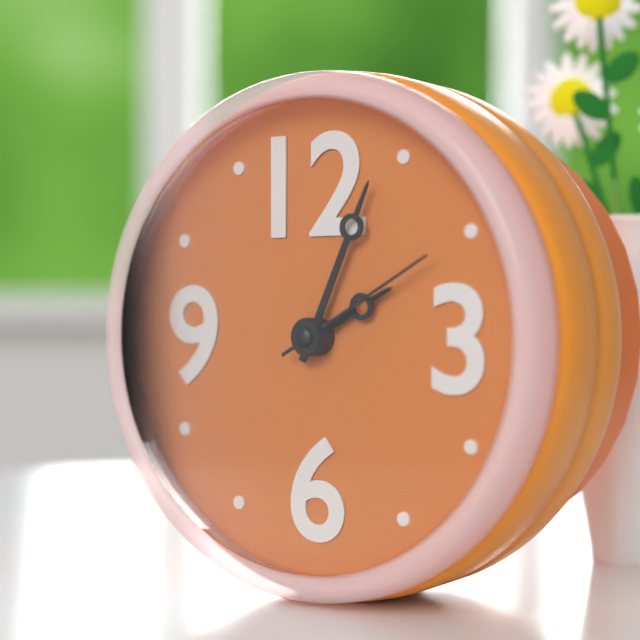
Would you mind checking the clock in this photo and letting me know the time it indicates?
2:04:10
